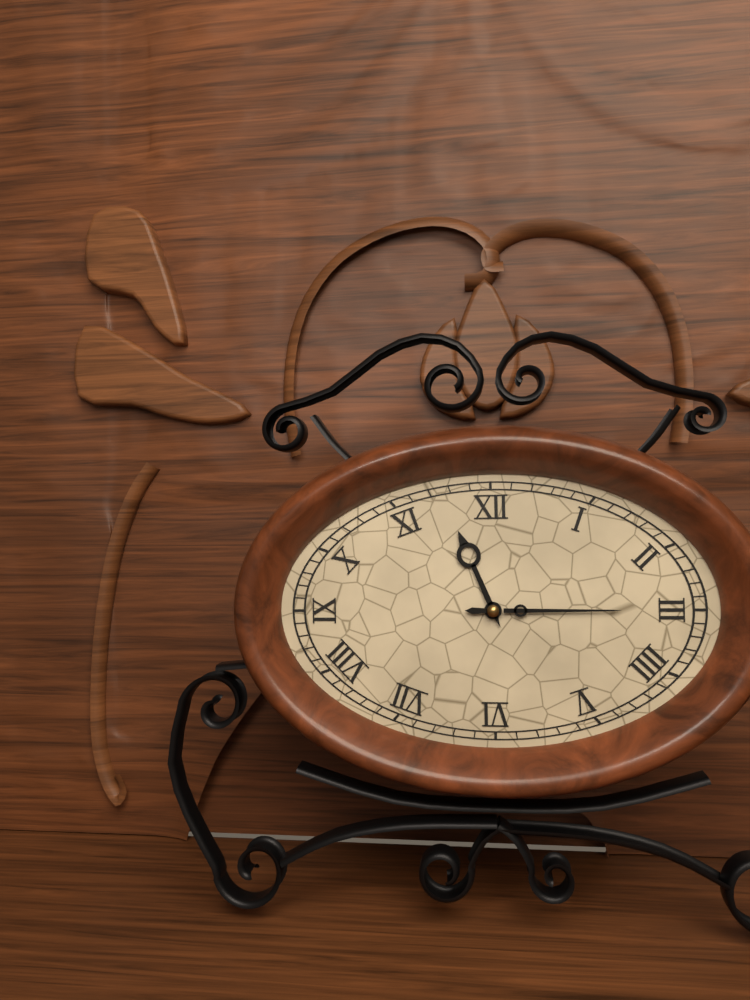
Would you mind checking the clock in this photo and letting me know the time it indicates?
11:15
